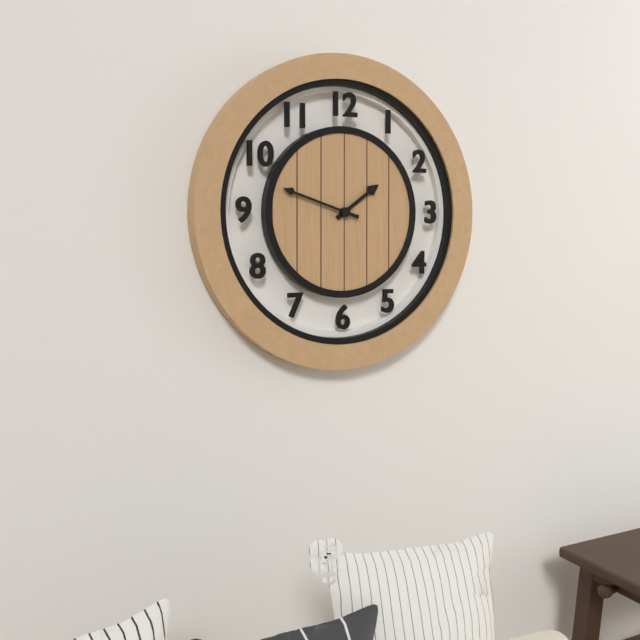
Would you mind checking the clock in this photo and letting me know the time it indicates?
1:48
